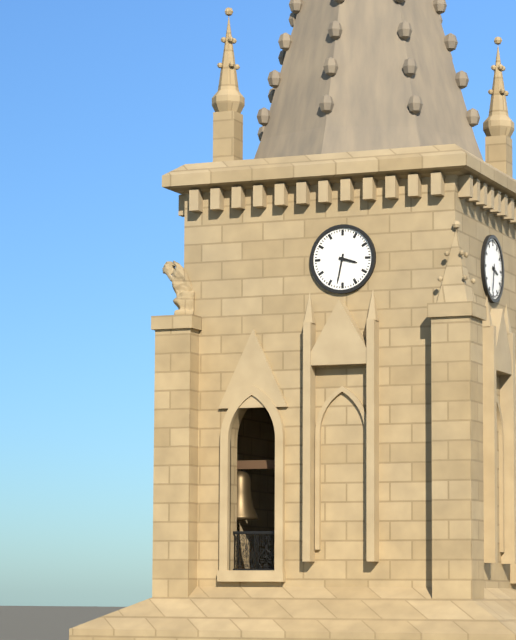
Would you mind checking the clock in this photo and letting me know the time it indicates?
3:32
